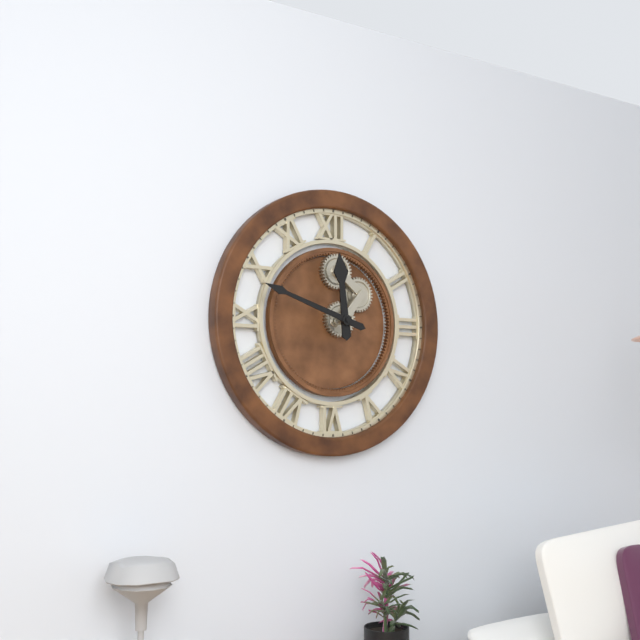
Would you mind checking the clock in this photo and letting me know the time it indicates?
11:48
